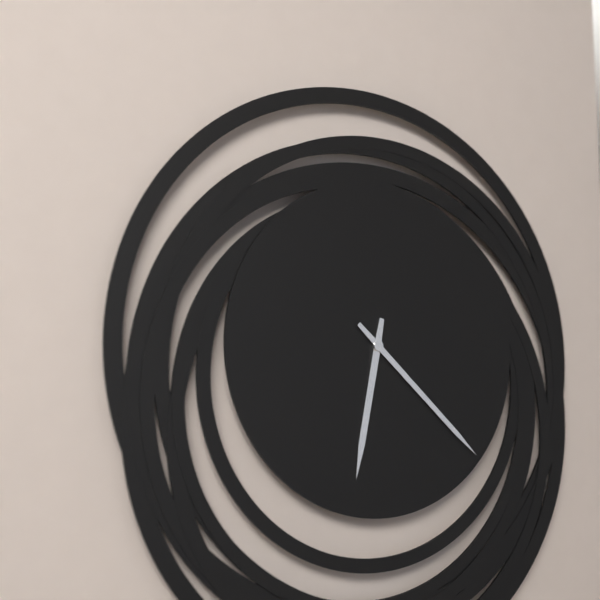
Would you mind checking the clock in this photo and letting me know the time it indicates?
6:22
